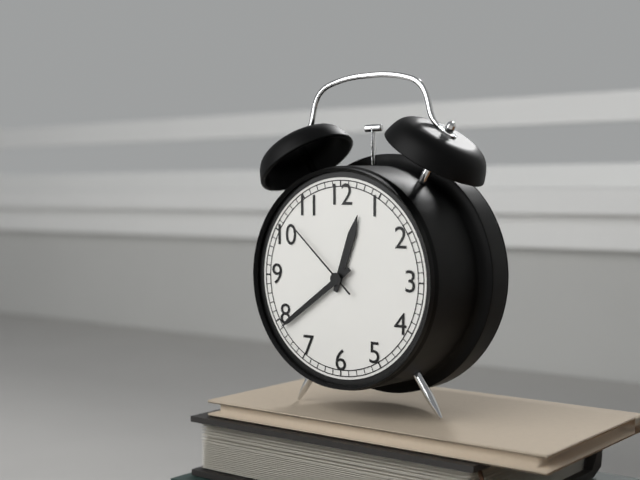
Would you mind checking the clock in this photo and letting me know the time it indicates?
12:39:52
